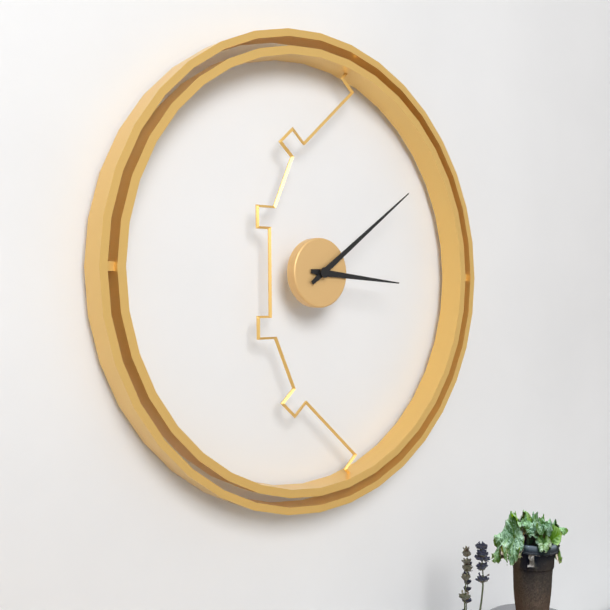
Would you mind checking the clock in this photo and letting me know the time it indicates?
3:09
